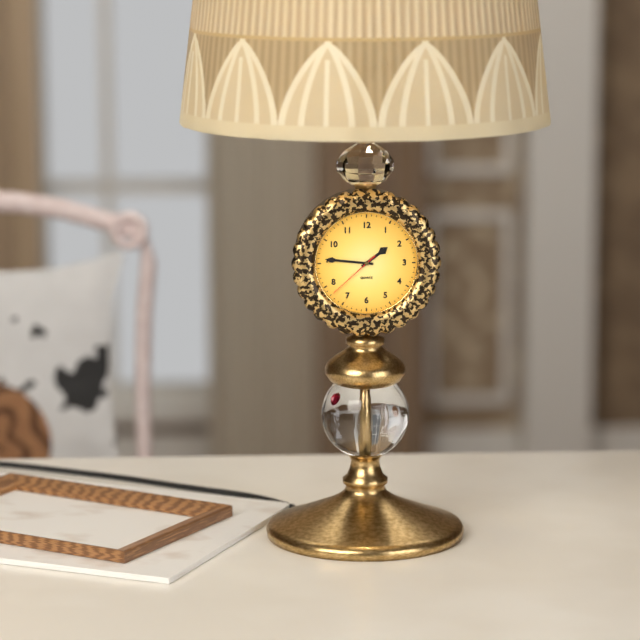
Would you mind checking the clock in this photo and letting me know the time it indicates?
1:46:38
